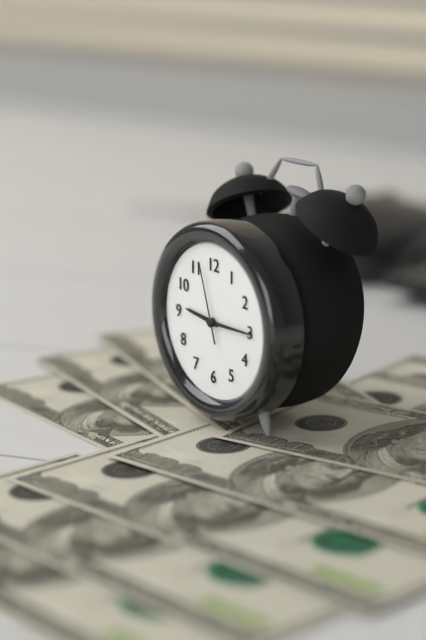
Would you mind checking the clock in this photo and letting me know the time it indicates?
9:15:57
